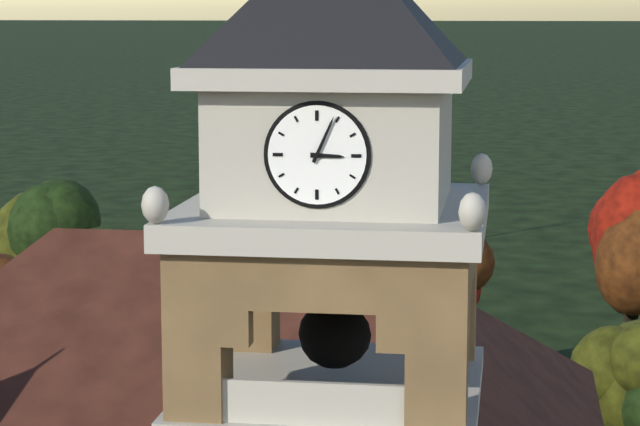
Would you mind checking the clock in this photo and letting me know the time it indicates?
3:04
